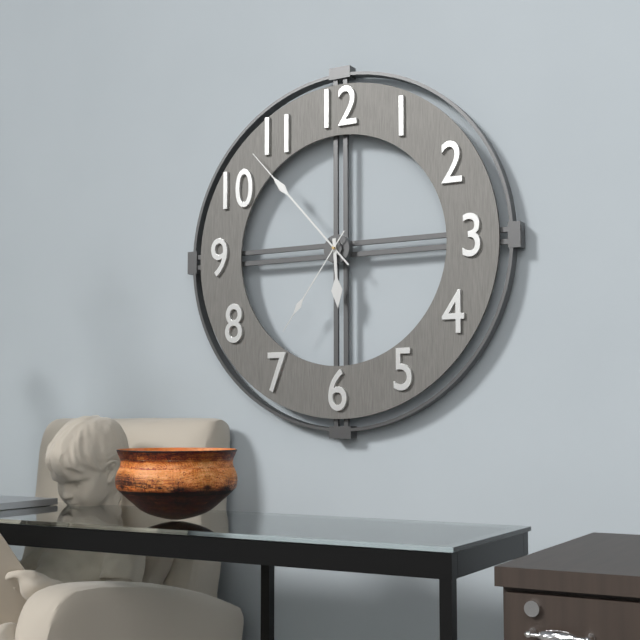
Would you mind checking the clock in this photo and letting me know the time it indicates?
5:53:36
